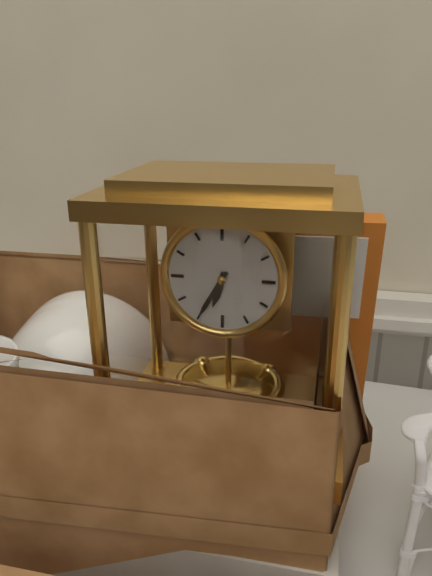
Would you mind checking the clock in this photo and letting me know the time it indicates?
6:35
